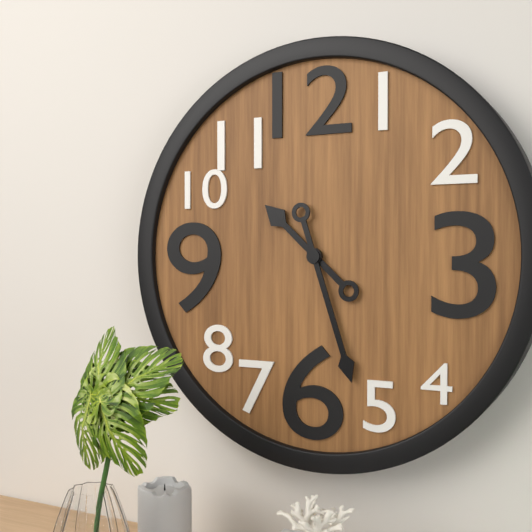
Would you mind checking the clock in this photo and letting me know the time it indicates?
10:27
